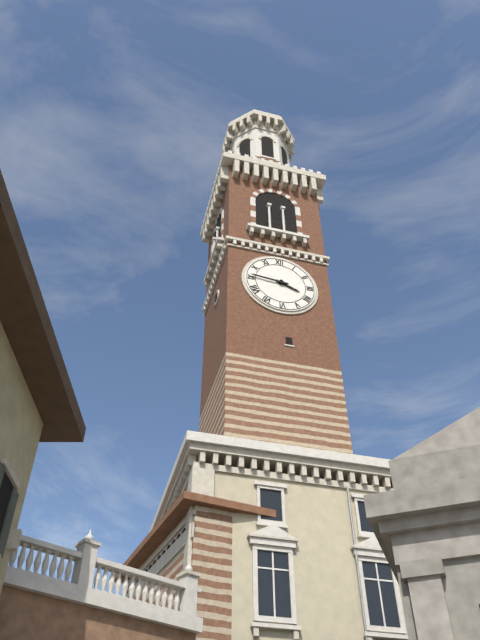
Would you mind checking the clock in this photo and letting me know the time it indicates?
3:46
